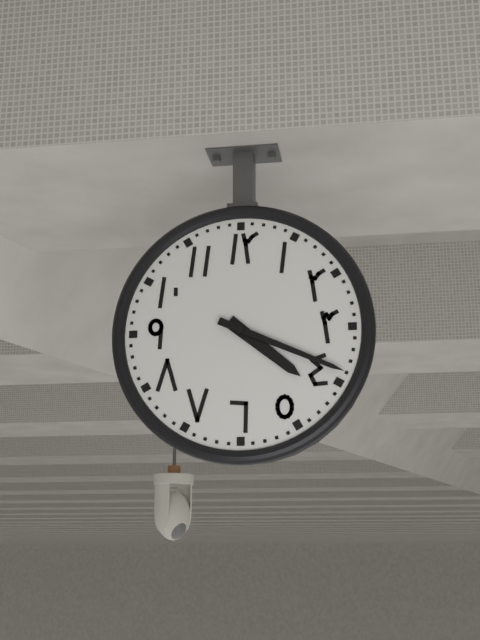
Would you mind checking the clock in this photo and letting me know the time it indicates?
4:19
